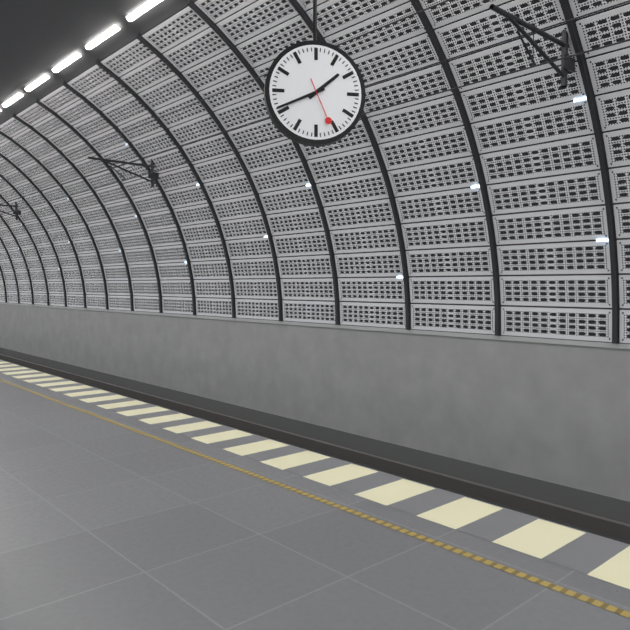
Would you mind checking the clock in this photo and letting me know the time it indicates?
1:41
